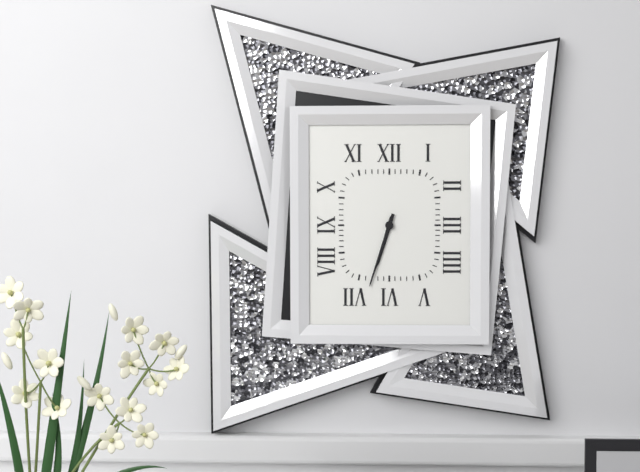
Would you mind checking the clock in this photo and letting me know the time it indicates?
6:33
